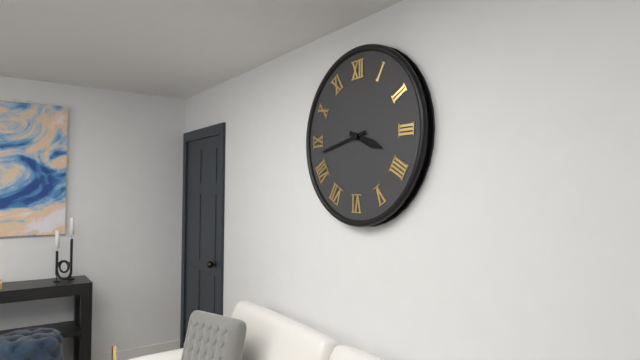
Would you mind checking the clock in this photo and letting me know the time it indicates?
3:43
